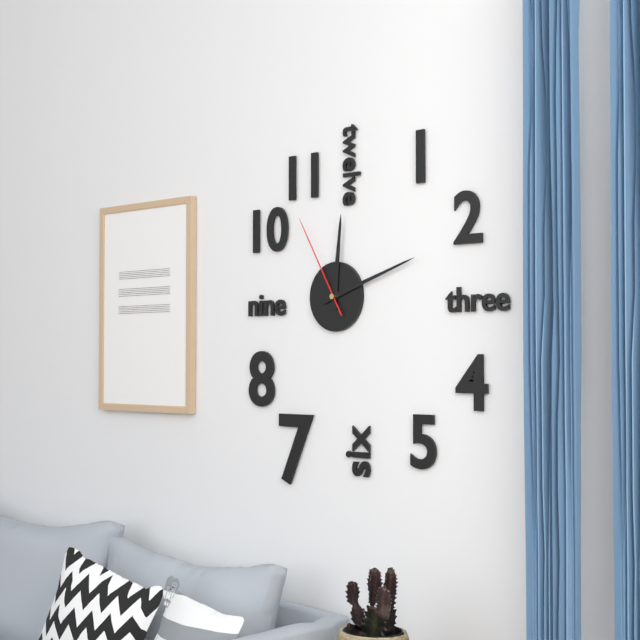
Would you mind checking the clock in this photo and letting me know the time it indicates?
12:12:55
